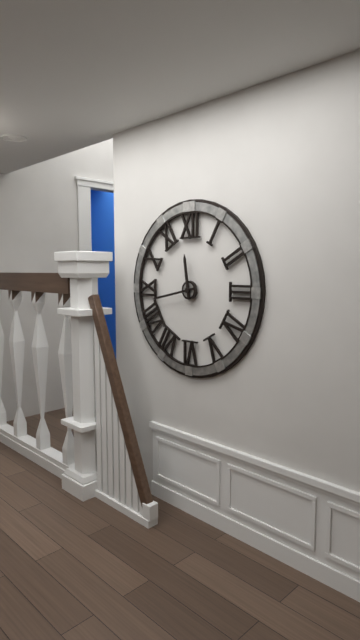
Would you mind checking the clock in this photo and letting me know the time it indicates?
11:43
